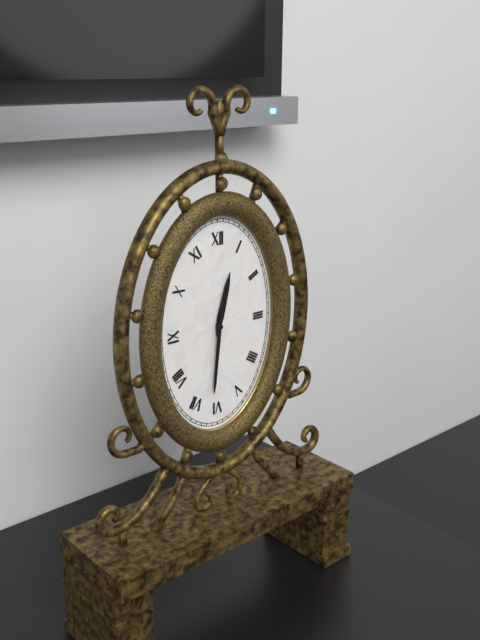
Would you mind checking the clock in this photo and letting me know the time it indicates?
12:31
